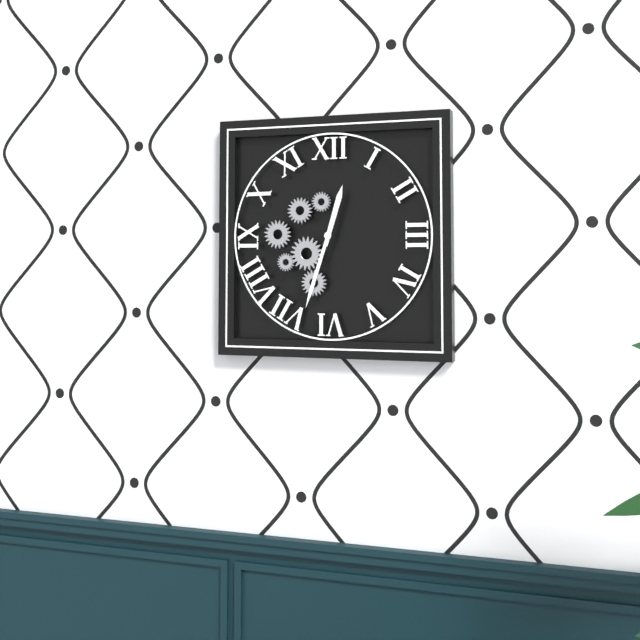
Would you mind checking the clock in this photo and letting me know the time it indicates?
12:33
